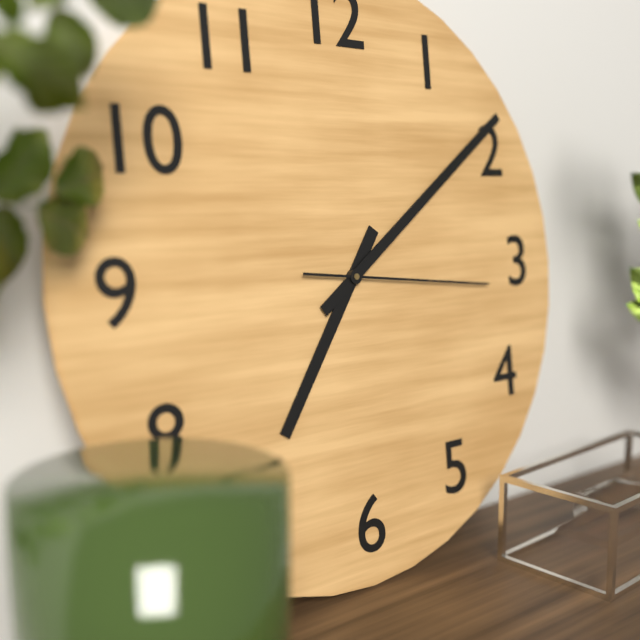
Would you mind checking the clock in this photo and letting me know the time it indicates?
7:09:16
